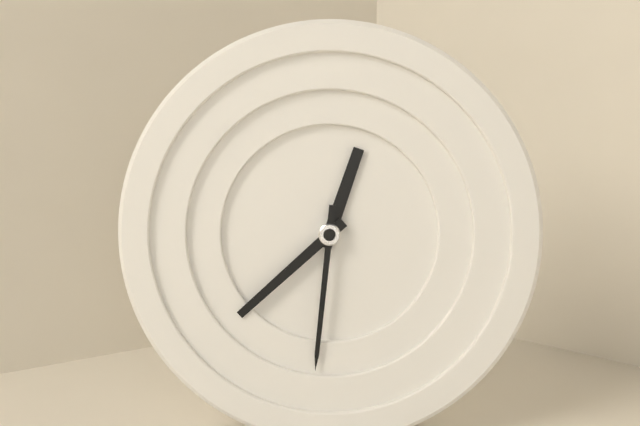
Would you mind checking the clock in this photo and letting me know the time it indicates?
12:38:31
